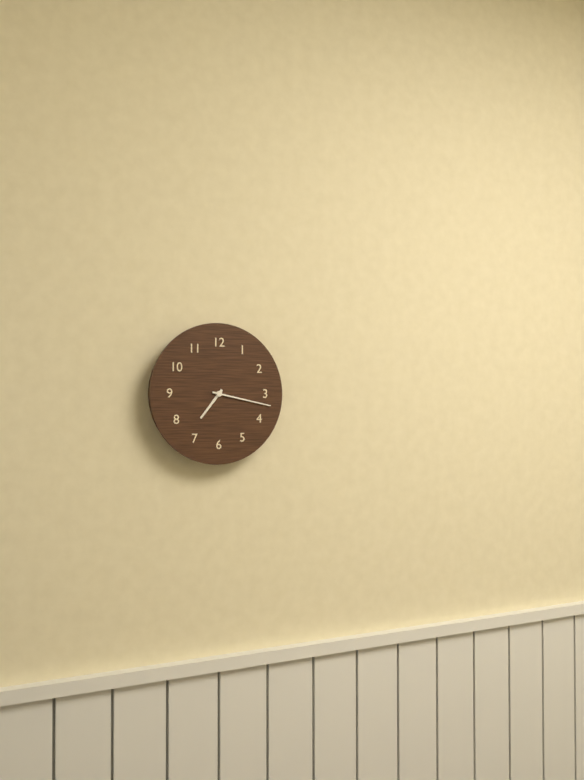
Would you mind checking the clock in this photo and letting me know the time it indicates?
7:17
